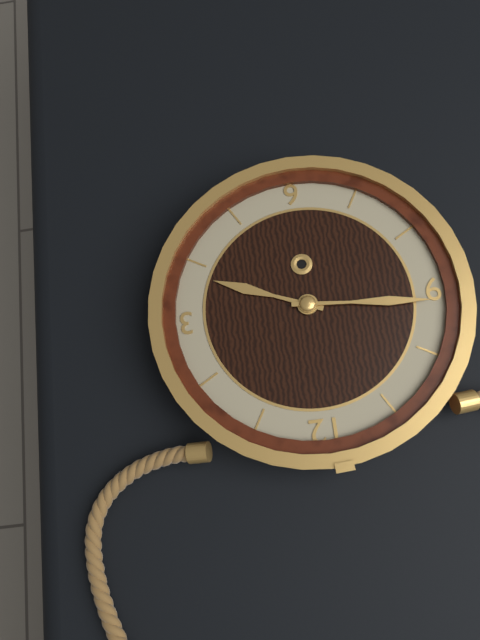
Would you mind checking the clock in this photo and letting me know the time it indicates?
3:46
